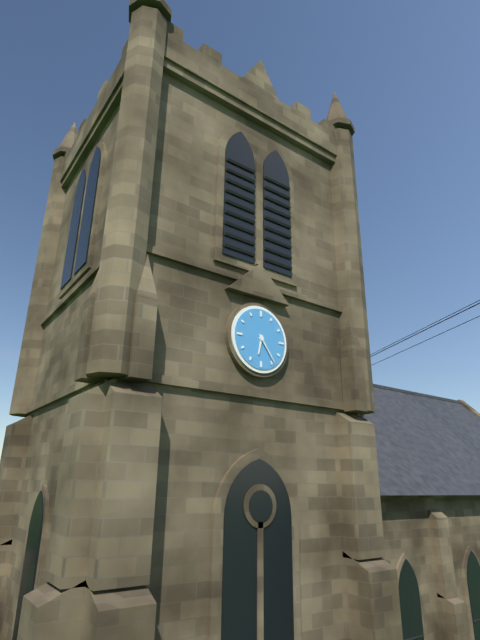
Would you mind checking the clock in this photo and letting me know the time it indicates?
6:24
